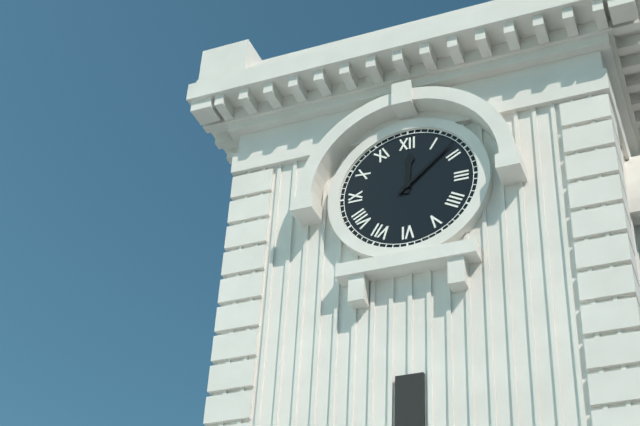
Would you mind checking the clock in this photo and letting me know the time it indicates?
12:08
